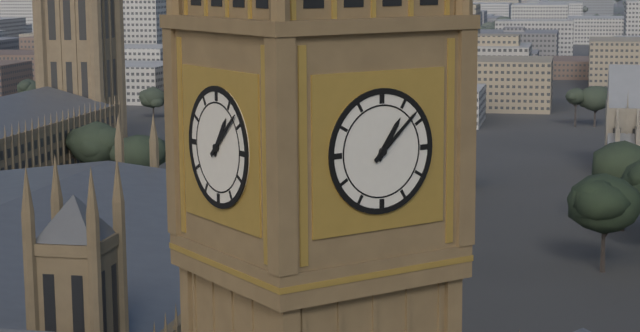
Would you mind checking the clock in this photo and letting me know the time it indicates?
1:08
